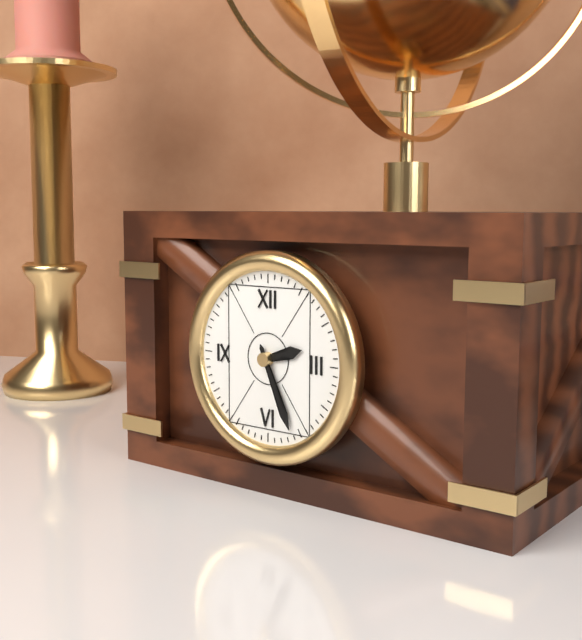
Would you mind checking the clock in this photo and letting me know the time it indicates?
2:26
